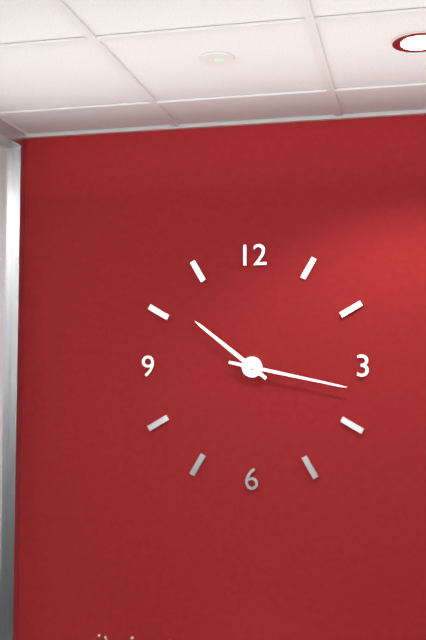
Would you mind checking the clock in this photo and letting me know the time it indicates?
10:17
